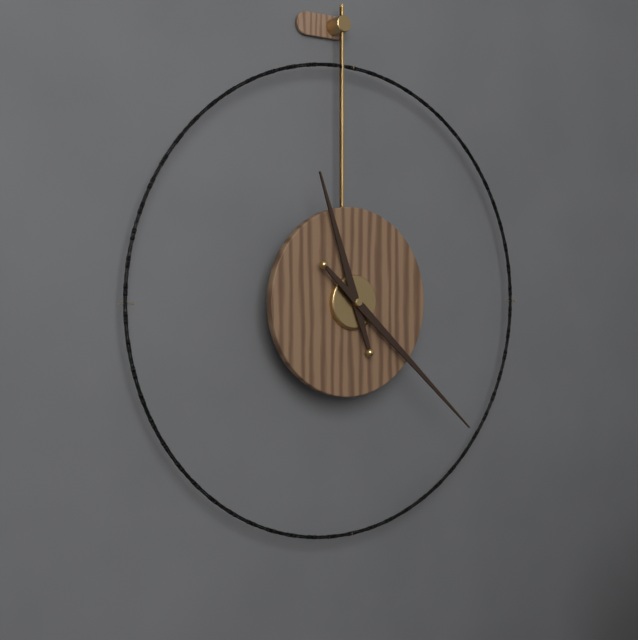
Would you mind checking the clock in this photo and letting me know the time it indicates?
11:22
